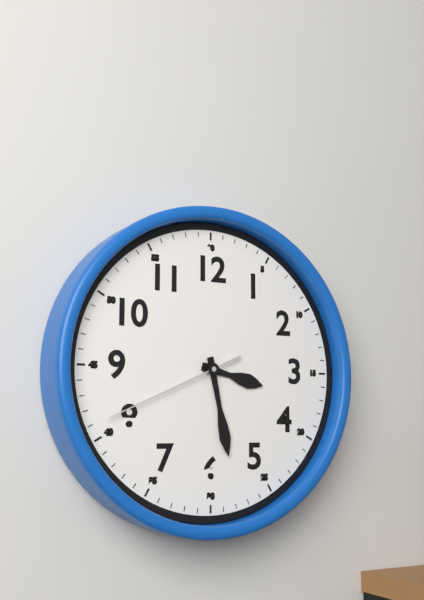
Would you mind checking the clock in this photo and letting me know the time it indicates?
3:28:41
